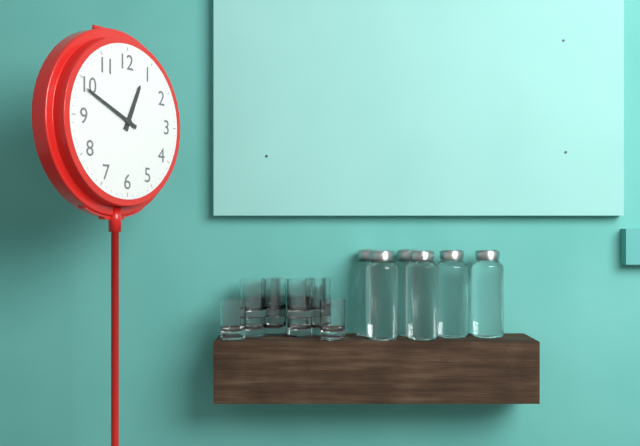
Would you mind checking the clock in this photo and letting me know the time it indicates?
12:49
